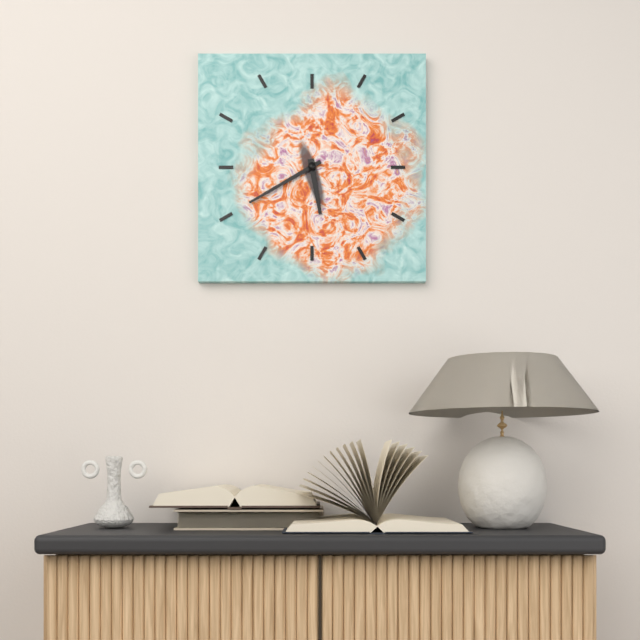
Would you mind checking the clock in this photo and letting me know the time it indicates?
5:40
